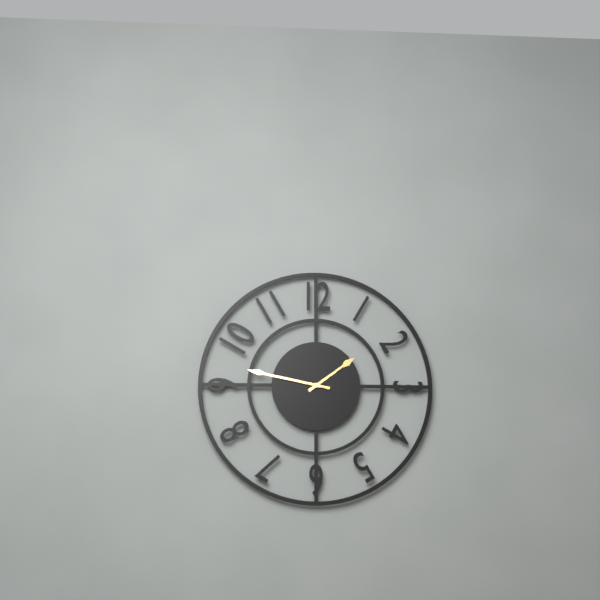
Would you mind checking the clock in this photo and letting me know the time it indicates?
1:47
